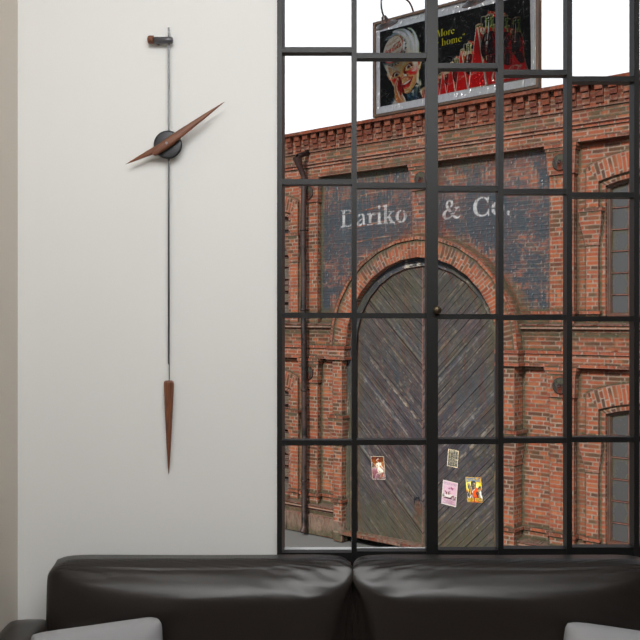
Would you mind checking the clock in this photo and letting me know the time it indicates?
8:09
